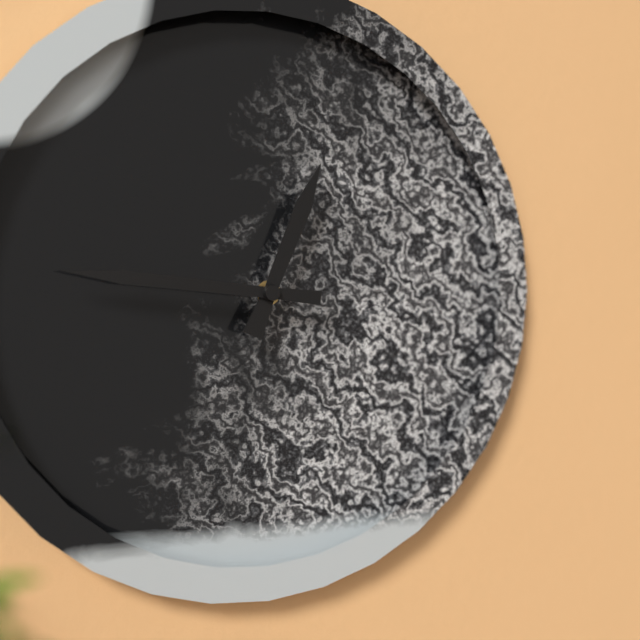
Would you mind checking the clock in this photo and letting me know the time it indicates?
12:46
